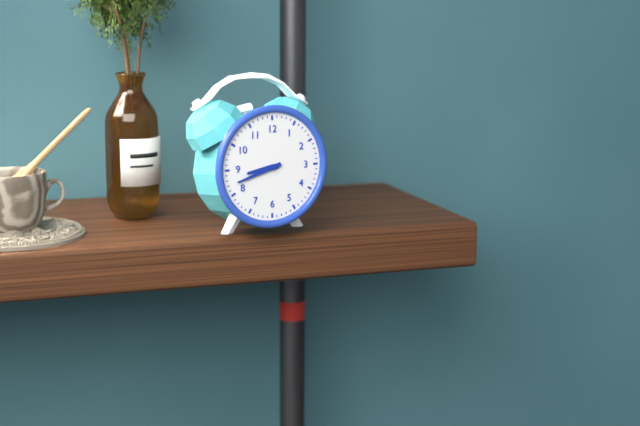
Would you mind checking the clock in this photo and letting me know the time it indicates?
8:42
